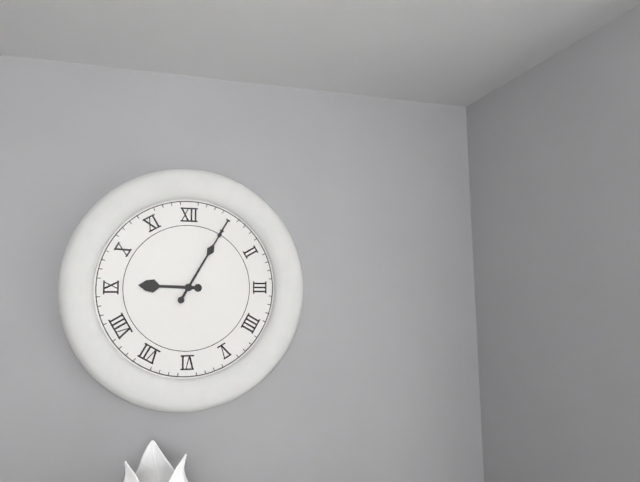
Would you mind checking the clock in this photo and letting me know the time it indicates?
9:05
